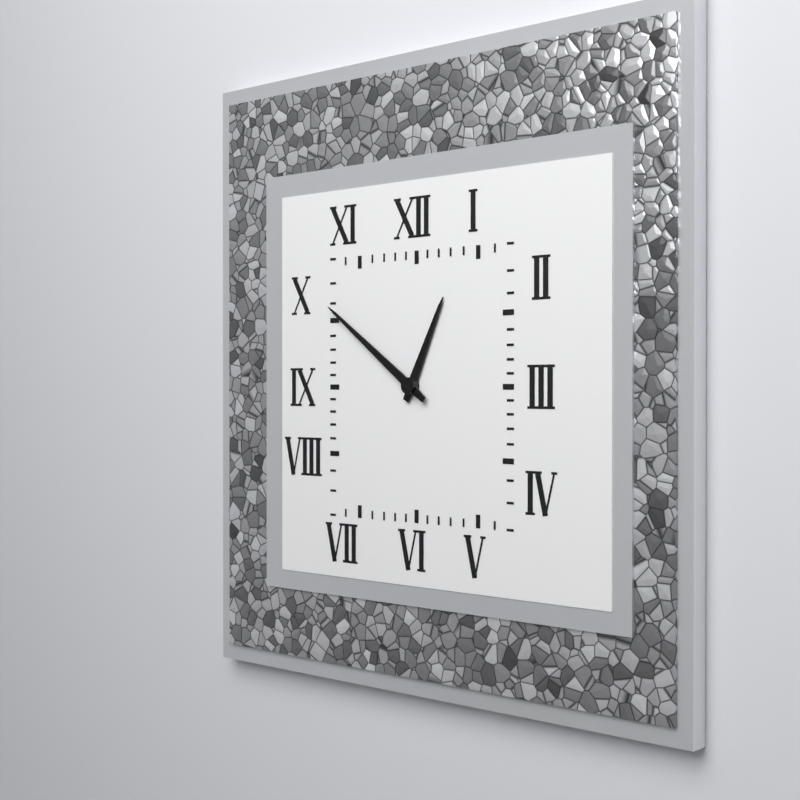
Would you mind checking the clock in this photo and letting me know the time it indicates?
12:51
